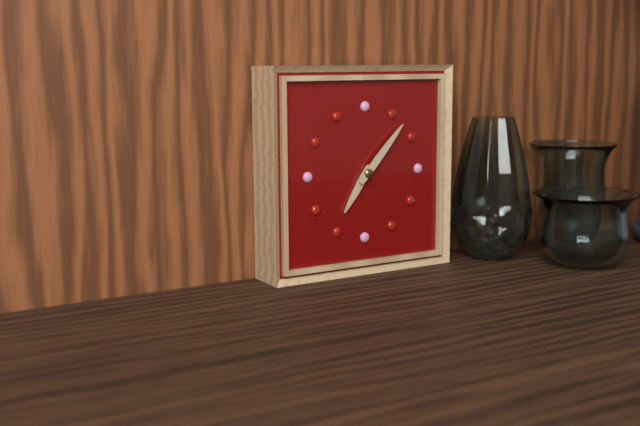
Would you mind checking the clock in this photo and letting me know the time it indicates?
7:07
